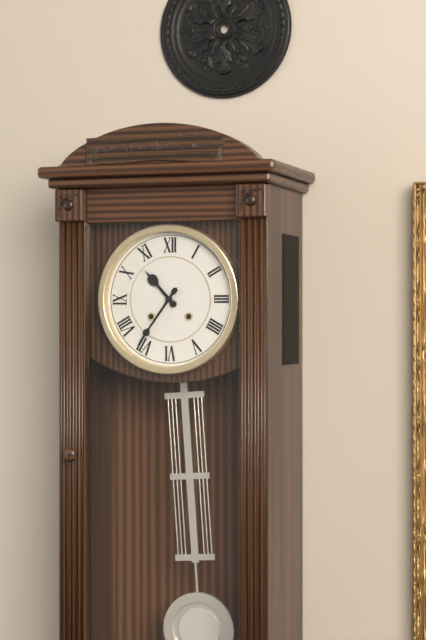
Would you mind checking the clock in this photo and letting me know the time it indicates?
10:36
